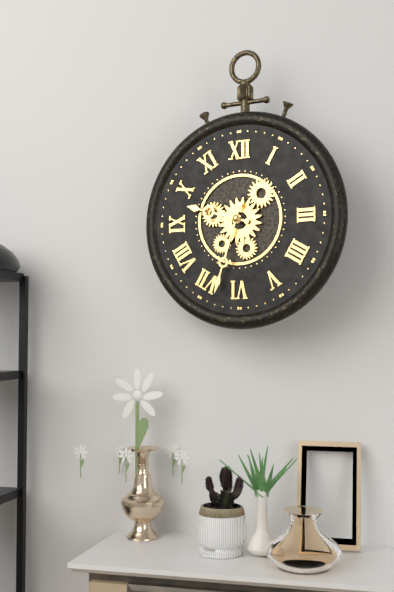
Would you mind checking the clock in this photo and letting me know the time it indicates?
9:33
